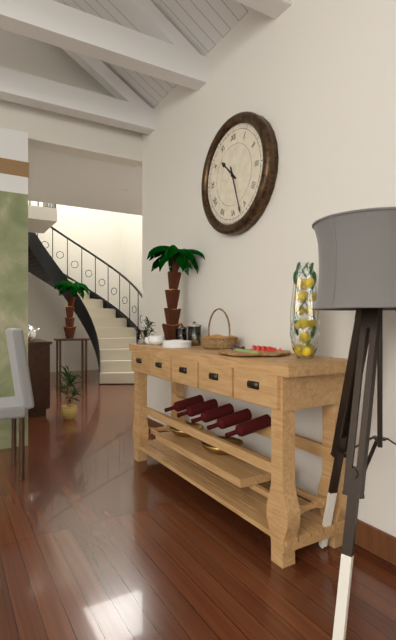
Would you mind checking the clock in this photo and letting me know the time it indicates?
10:27
